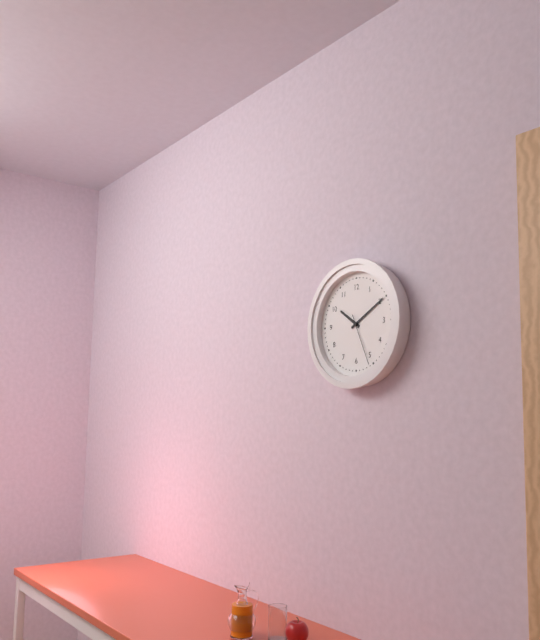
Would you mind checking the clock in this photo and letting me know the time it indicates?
10:10:26
